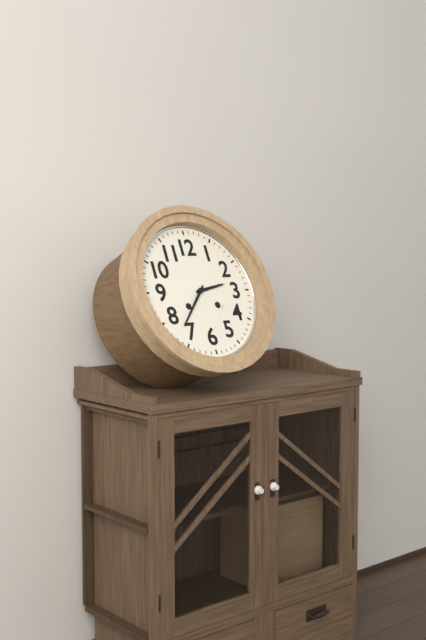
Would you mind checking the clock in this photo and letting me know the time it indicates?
2:37
